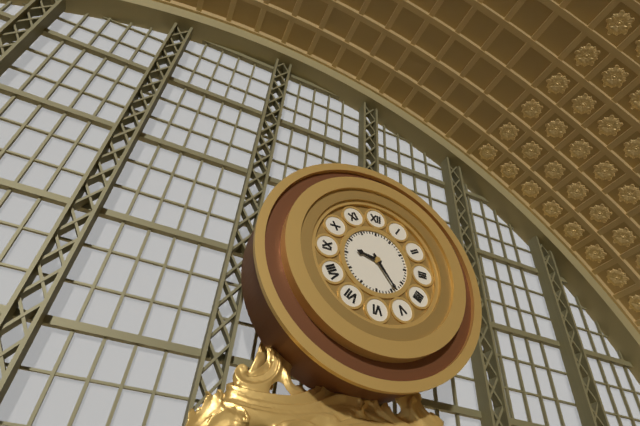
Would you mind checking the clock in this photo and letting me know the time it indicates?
9:24
